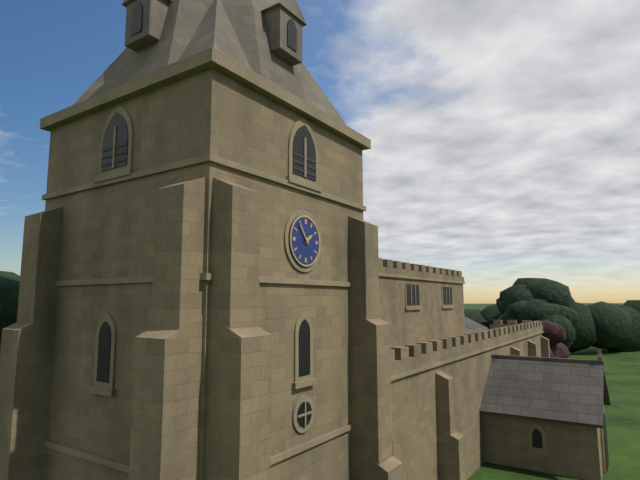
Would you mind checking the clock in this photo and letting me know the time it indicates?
1:54
